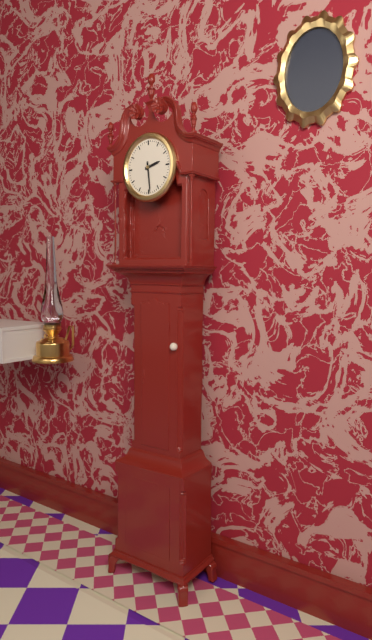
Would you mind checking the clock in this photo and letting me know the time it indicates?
2:29
